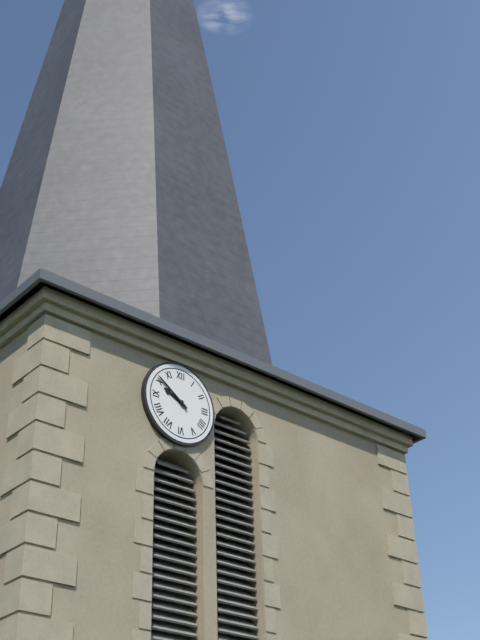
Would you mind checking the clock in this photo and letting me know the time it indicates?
9:51
